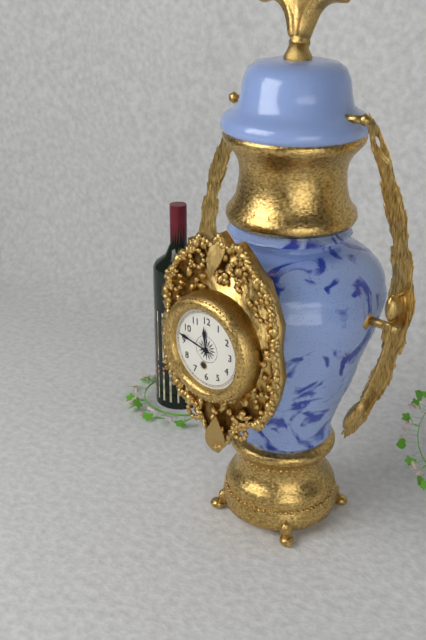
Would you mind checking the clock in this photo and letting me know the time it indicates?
11:47
